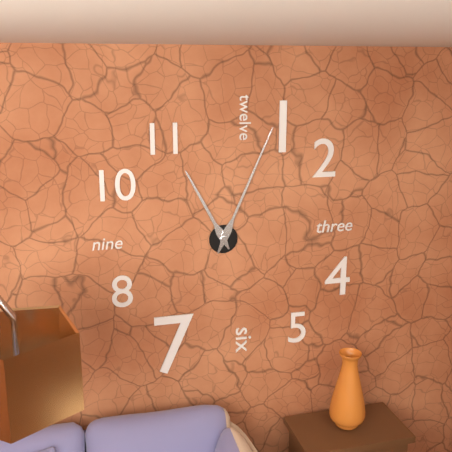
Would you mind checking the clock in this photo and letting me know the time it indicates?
11:04
